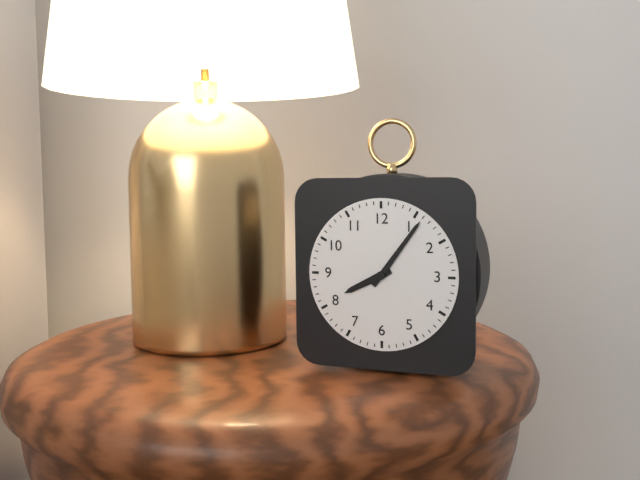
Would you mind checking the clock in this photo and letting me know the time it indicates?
8:06
